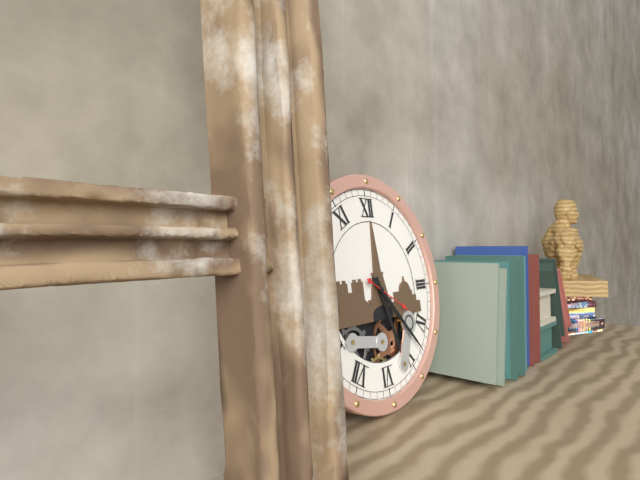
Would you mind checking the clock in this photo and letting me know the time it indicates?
5:23:20
